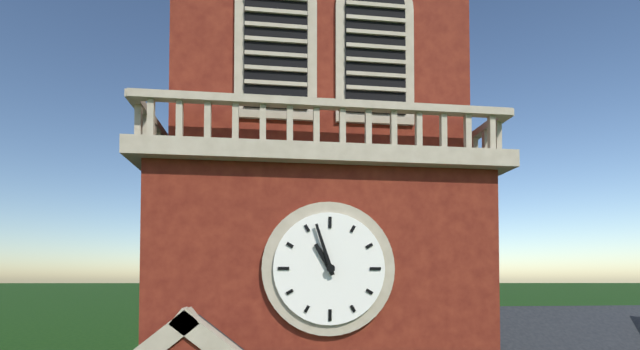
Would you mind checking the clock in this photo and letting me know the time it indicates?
10:57
